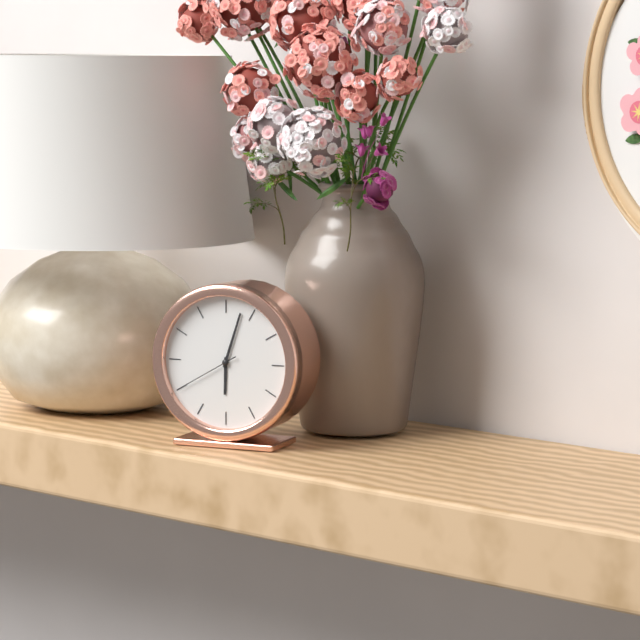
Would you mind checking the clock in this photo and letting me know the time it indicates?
6:03:40
